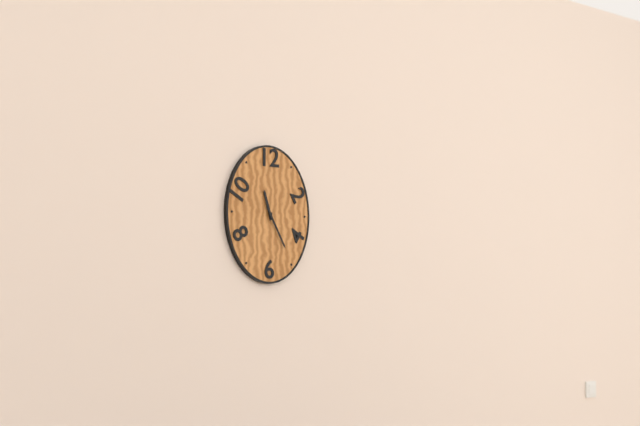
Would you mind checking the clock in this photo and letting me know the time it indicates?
11:25
